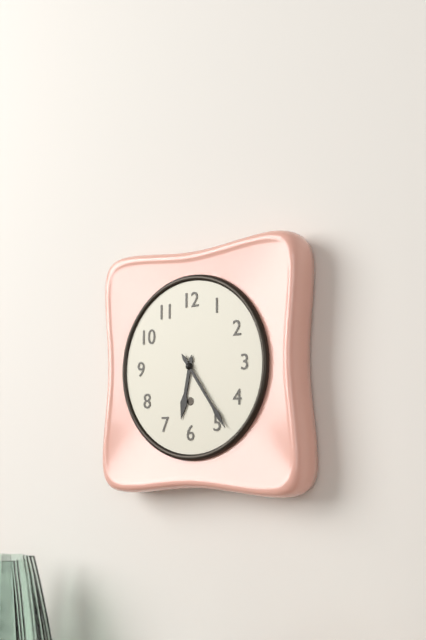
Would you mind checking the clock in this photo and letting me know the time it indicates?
6:24
